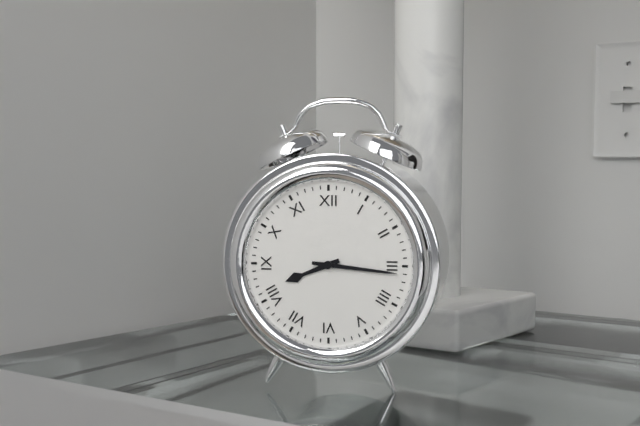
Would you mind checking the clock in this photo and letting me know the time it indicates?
8:16
